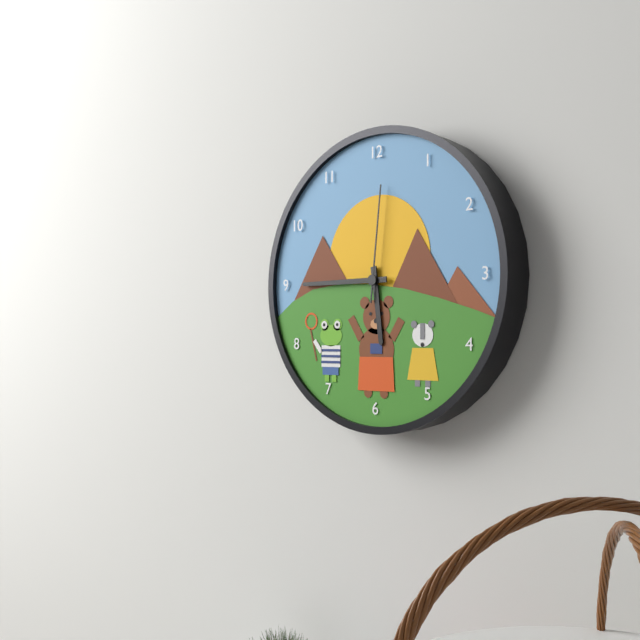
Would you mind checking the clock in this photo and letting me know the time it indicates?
5:45:01
